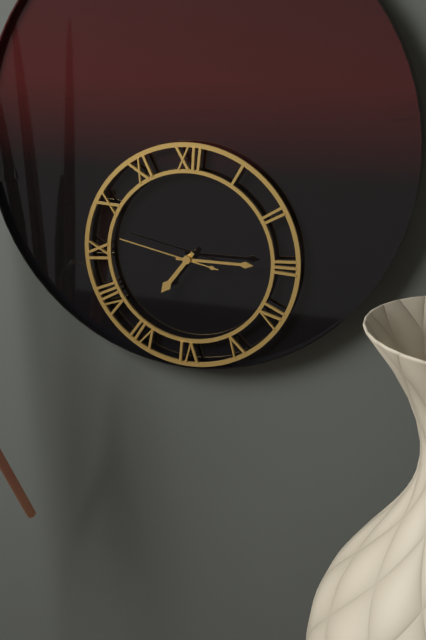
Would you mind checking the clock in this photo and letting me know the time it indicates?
7:15:47
